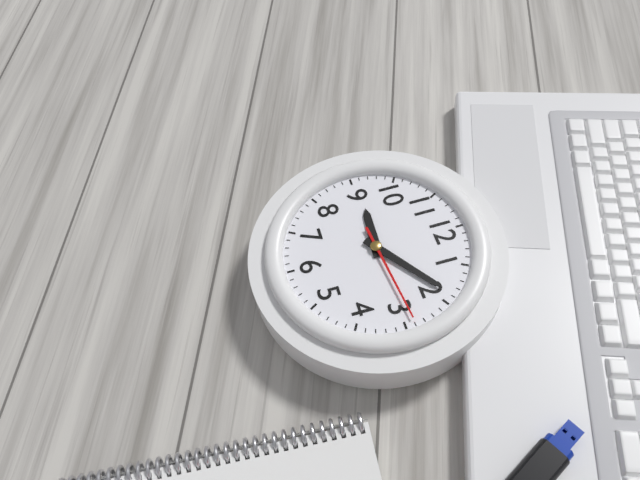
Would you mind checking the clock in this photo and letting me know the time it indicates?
9:09:14
